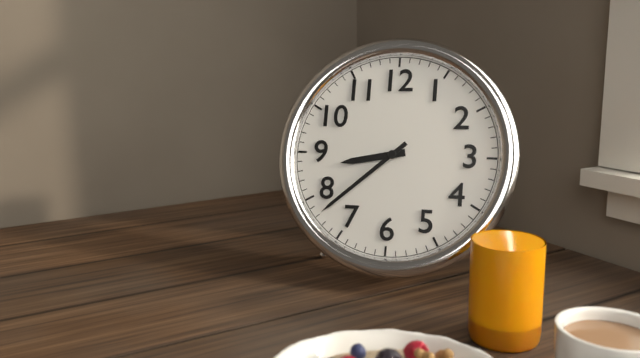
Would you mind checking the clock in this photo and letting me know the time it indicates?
8:38
